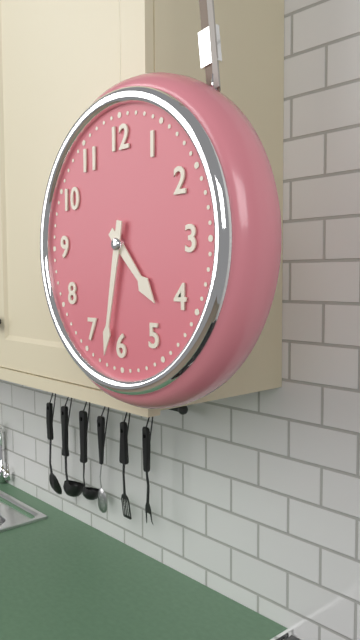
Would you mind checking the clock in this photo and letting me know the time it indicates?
4:32
